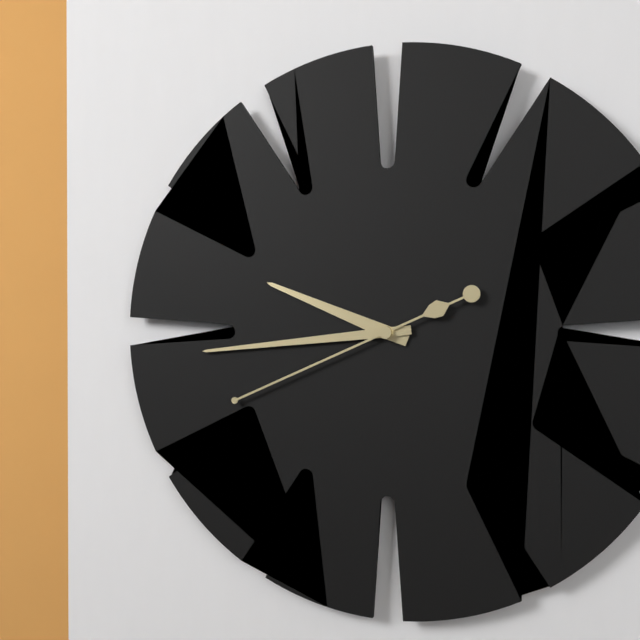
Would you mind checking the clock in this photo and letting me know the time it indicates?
9:44:41
